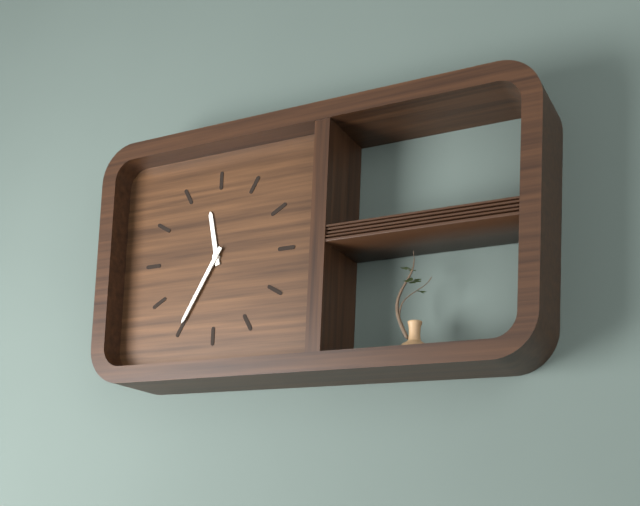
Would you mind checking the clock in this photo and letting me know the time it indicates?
11:35
